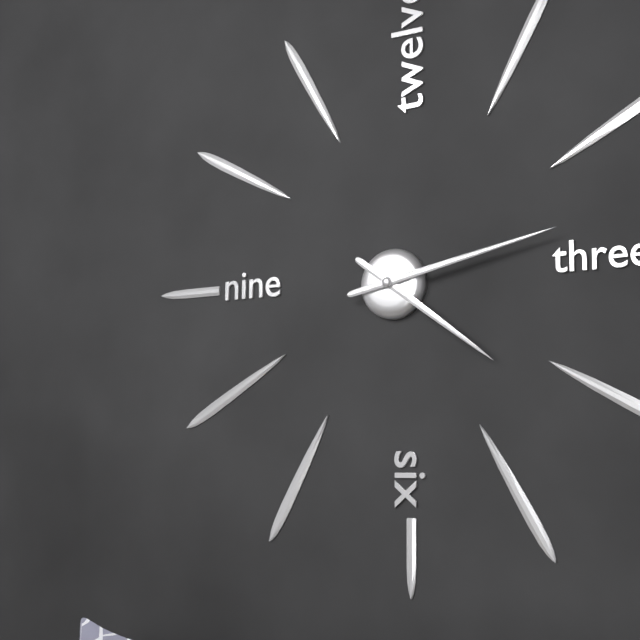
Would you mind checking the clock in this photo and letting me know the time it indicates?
4:13
